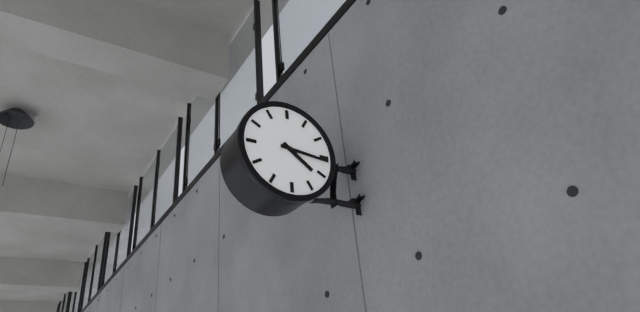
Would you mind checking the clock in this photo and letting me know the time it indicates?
4:16
